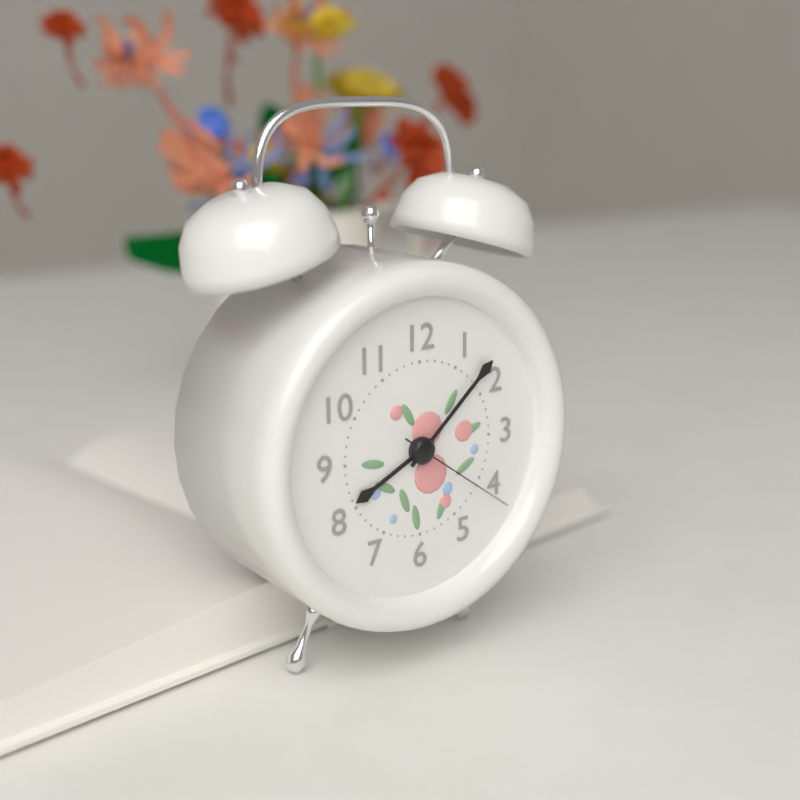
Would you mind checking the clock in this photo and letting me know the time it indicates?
8:08:21
